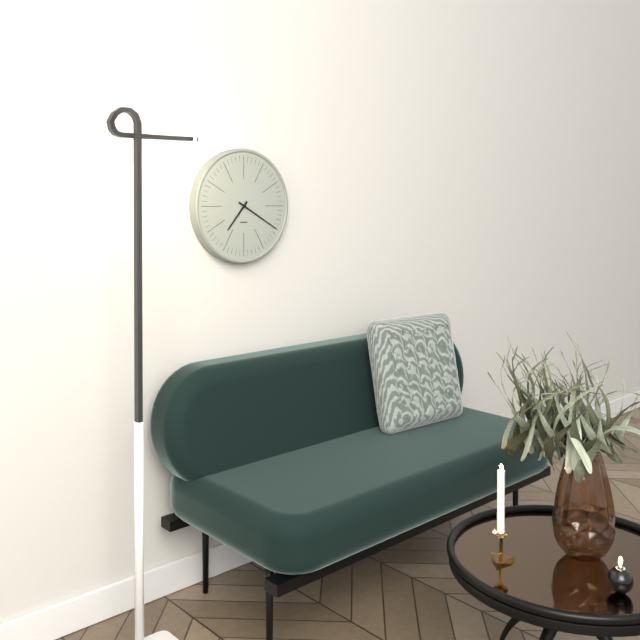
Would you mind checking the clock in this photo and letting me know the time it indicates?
7:20
